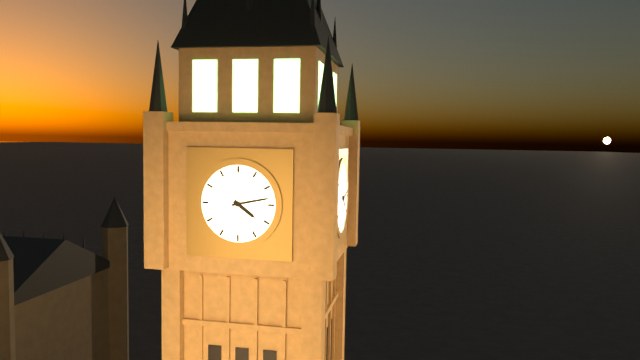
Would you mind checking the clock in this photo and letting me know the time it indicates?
4:13
